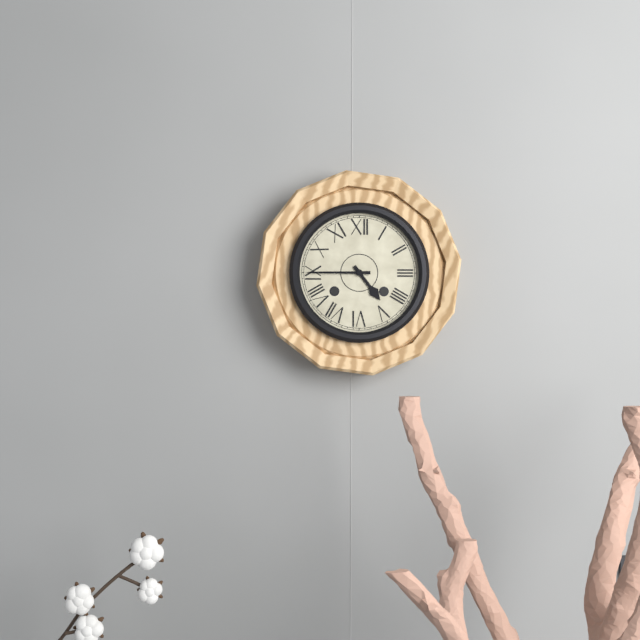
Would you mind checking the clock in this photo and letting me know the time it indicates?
4:45
